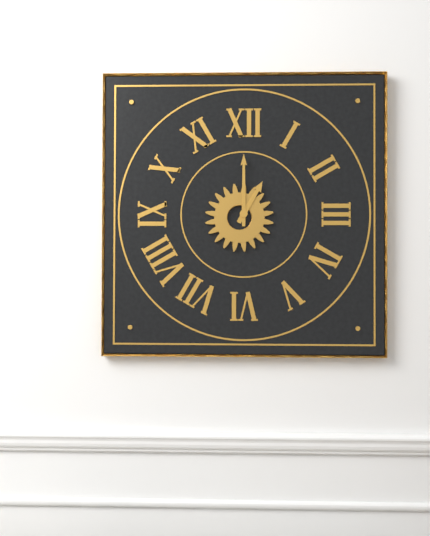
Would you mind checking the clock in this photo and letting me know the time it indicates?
1:00
